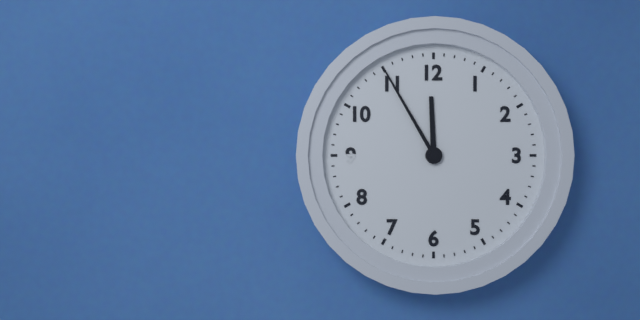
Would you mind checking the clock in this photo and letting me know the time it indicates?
11:55
